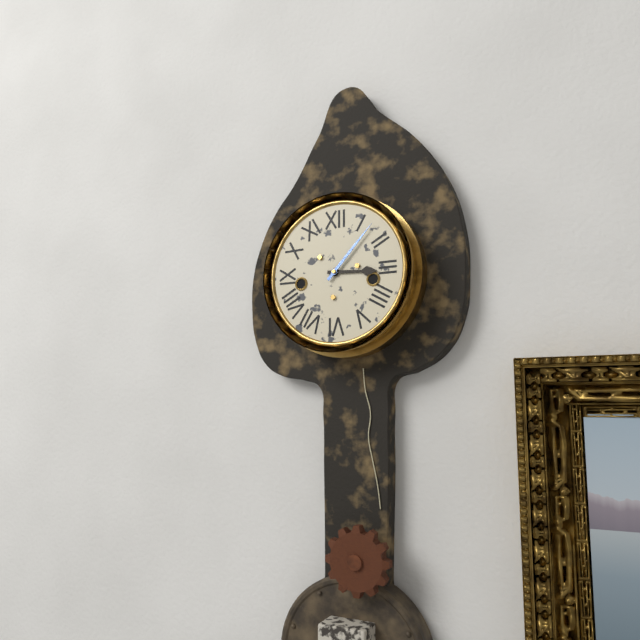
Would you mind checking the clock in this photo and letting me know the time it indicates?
3:07
